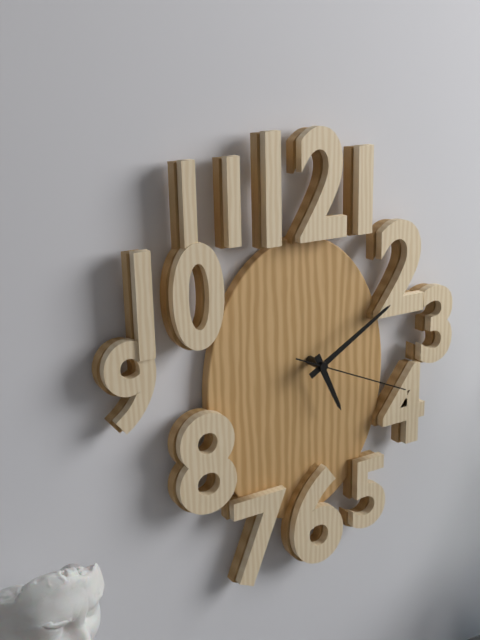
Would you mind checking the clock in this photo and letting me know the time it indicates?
5:10:19
